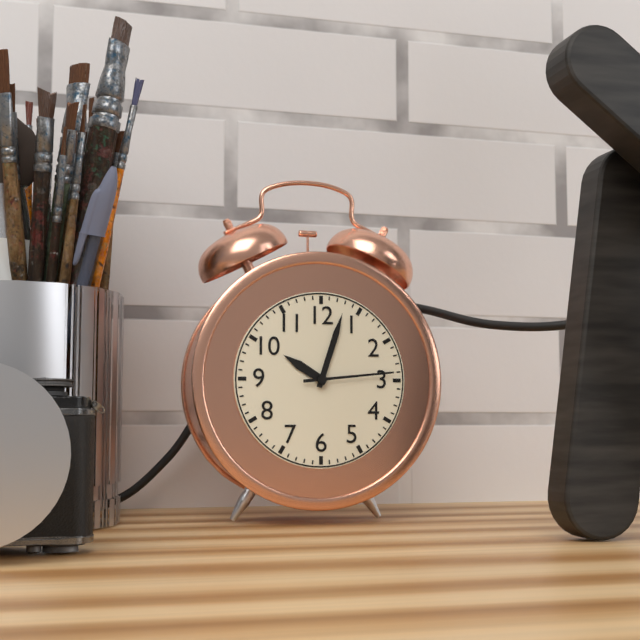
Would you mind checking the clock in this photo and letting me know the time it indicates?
10:03:14
